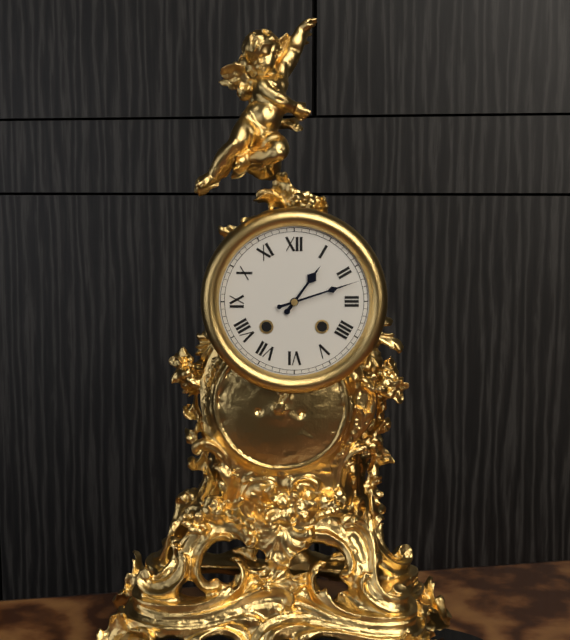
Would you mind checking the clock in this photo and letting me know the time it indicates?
1:12
